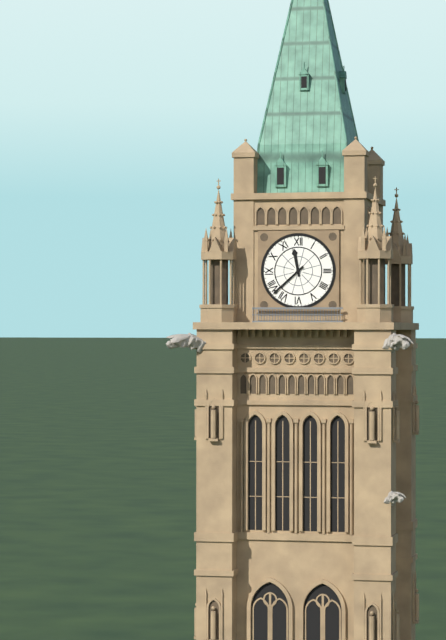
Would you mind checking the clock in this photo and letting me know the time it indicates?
11:38
